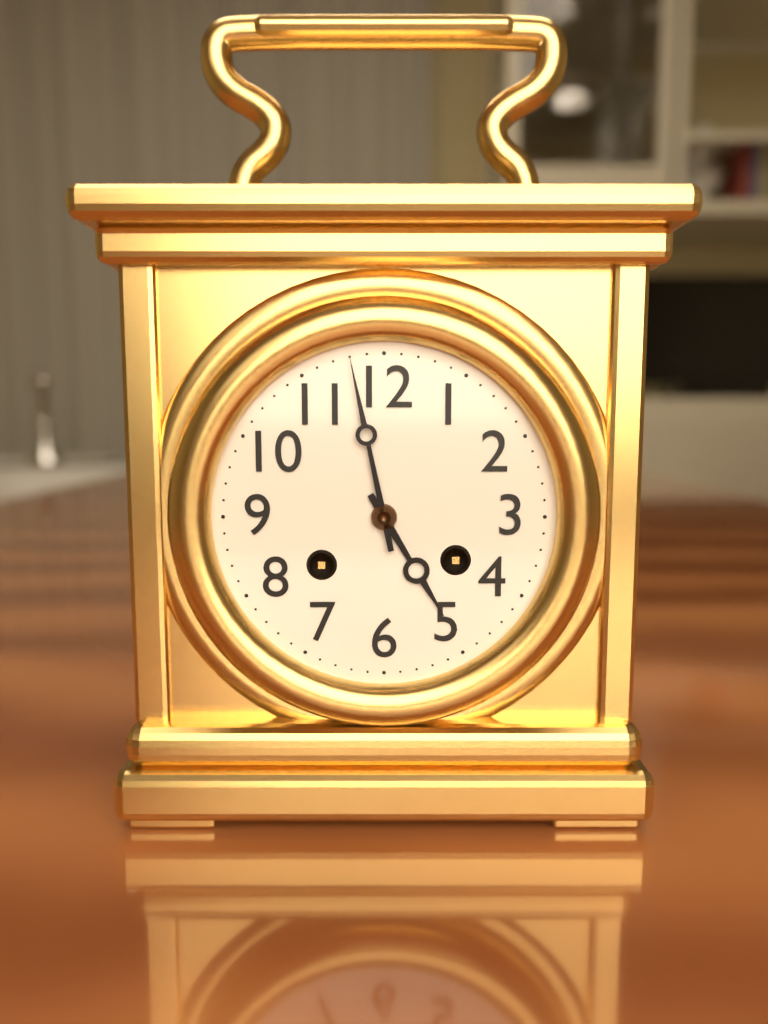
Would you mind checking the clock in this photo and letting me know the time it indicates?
4:58
